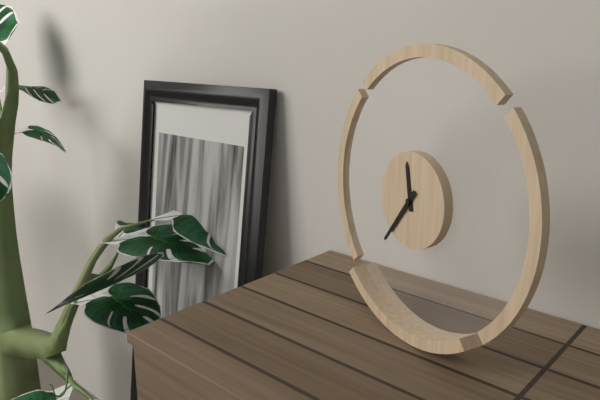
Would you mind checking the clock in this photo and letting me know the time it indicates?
11:36
